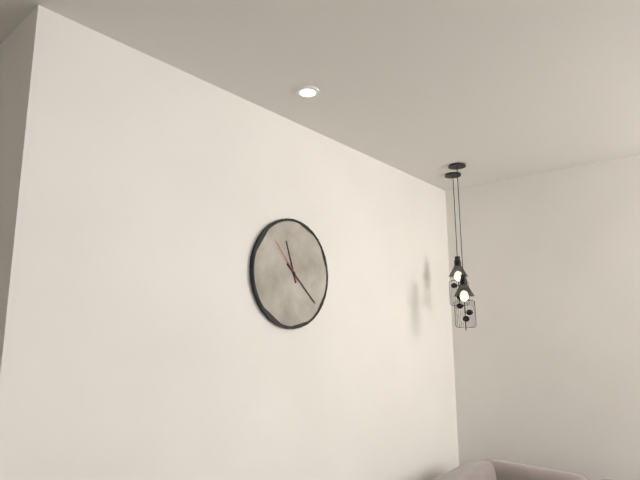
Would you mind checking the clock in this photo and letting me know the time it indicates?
11:22
